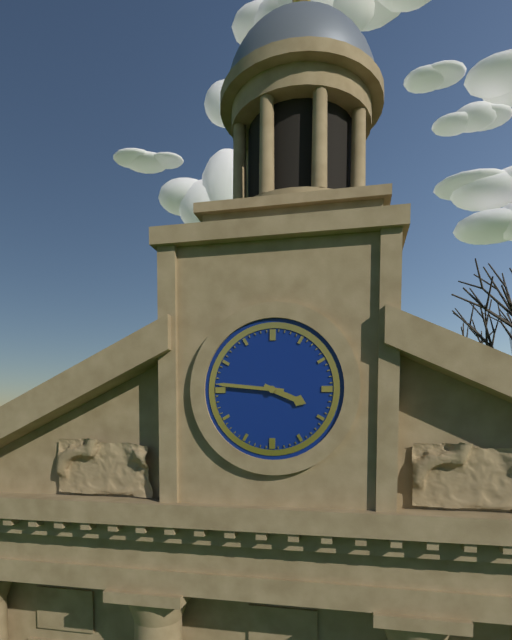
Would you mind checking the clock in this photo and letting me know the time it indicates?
3:46
